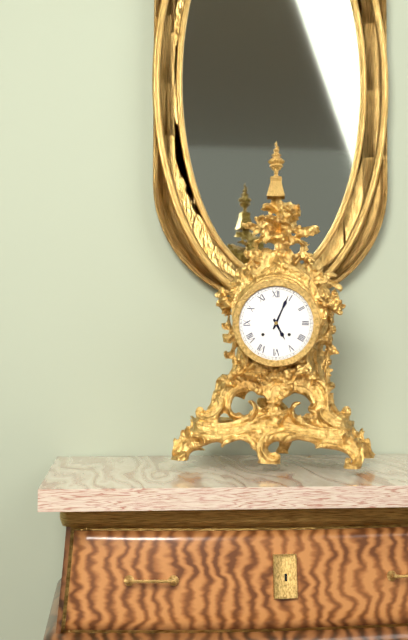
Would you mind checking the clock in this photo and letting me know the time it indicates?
5:04
